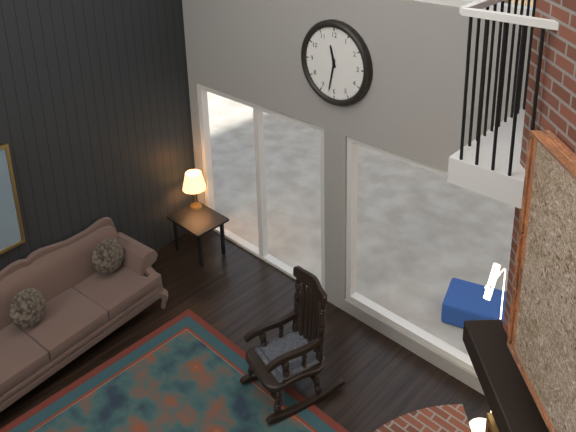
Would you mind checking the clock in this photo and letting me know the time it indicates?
11:32
